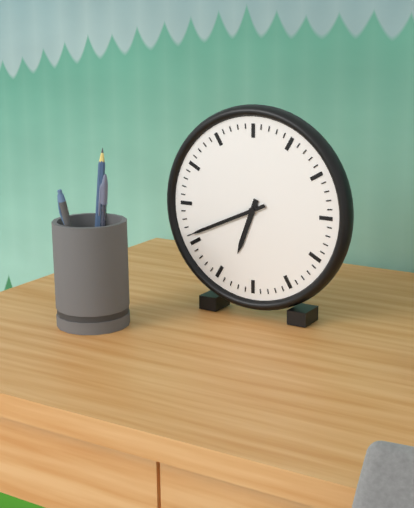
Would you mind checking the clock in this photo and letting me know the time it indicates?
6:41
